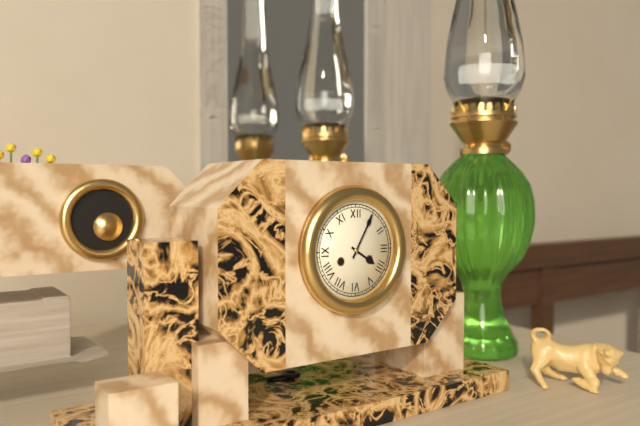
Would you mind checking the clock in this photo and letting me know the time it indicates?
4:05
